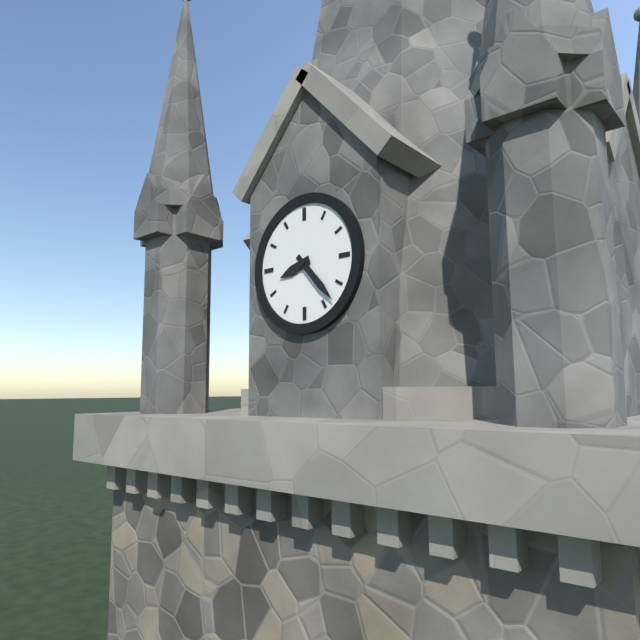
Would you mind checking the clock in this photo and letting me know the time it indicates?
8:23
